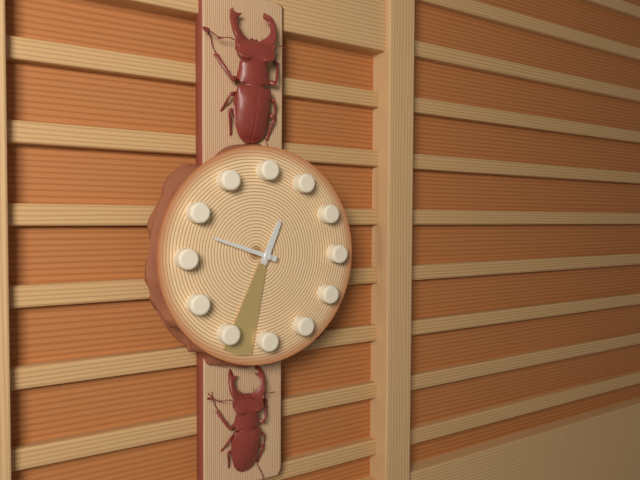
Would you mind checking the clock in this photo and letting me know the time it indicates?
12:48:33
